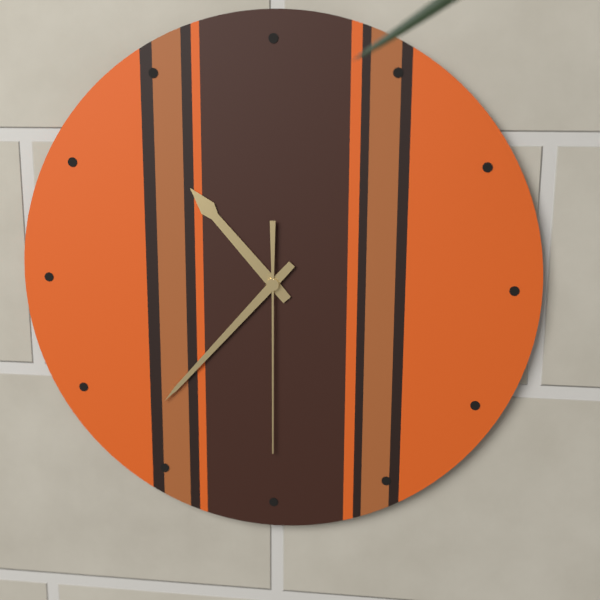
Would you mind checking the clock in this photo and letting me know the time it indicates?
10:37:30
